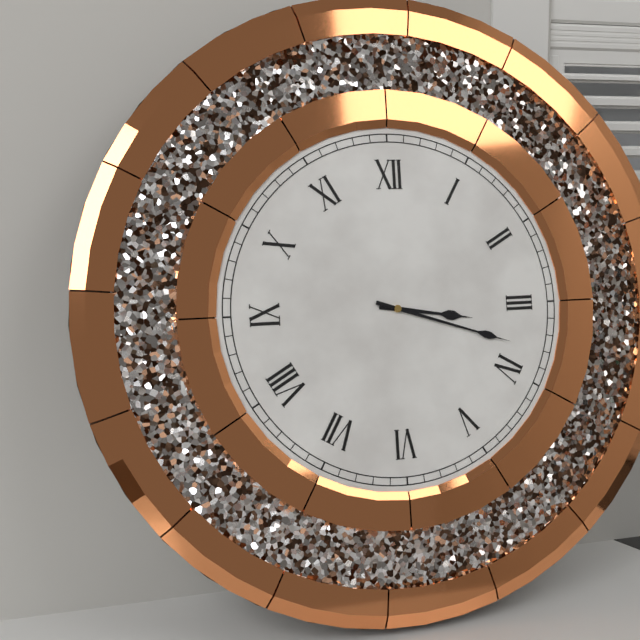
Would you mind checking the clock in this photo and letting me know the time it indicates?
3:18
